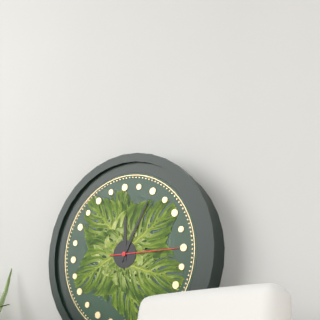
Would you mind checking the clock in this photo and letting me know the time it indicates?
12:05:15
